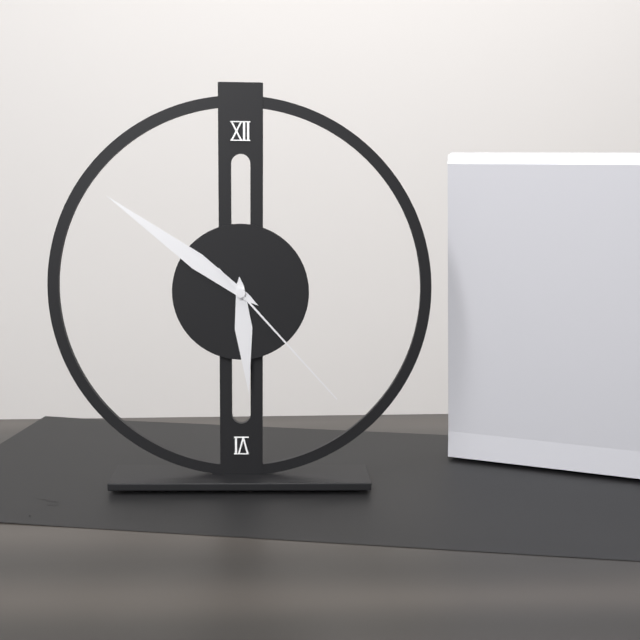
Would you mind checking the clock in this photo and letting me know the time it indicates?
5:51:23
